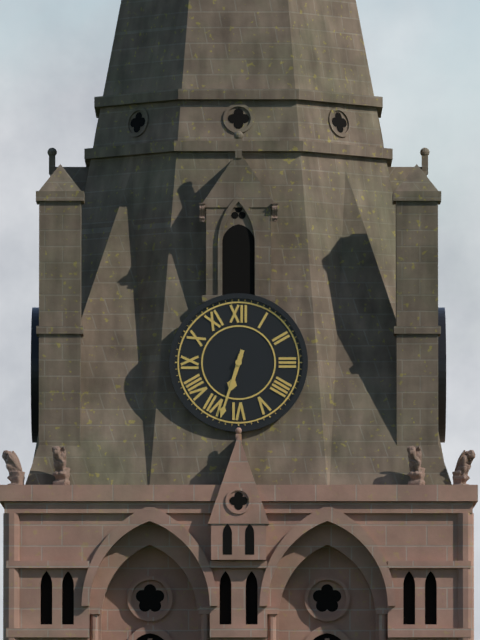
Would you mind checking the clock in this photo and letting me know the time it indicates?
6:33
